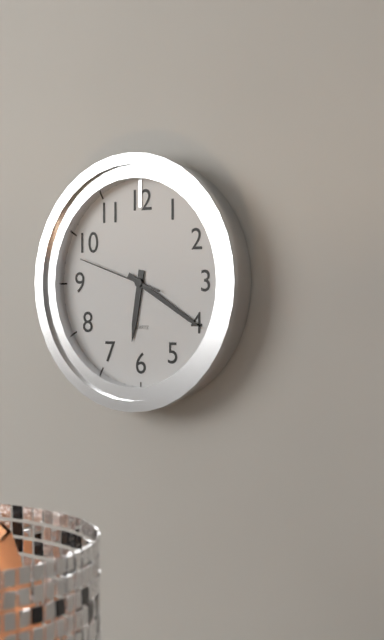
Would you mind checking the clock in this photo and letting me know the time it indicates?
6:20:48
